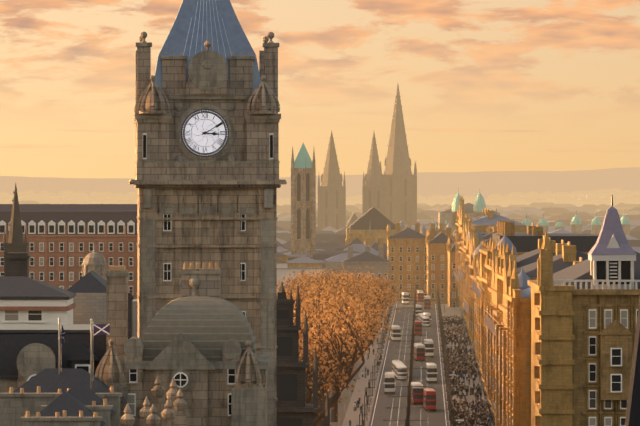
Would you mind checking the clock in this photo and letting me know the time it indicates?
3:10
